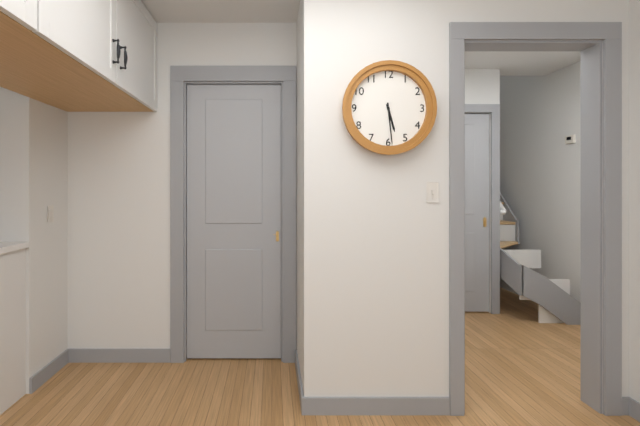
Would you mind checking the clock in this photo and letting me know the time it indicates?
5:29
